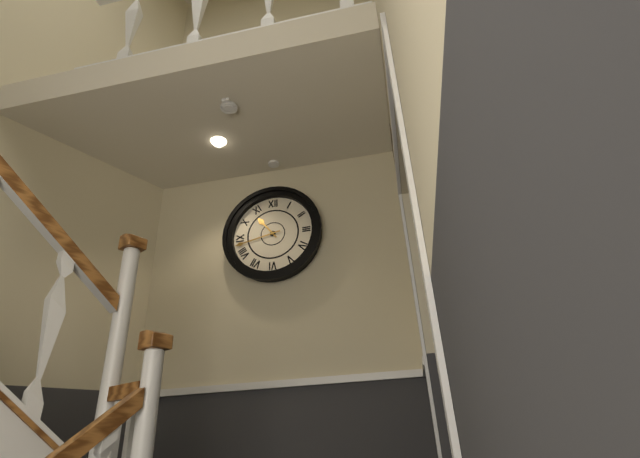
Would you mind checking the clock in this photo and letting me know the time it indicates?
10:43
